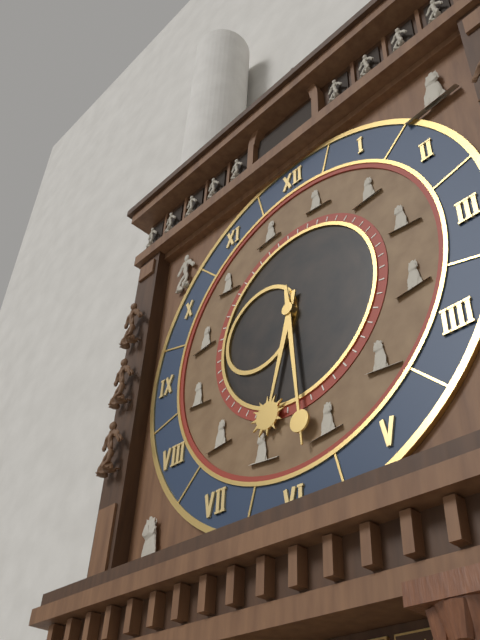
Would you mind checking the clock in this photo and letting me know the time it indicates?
6:29
